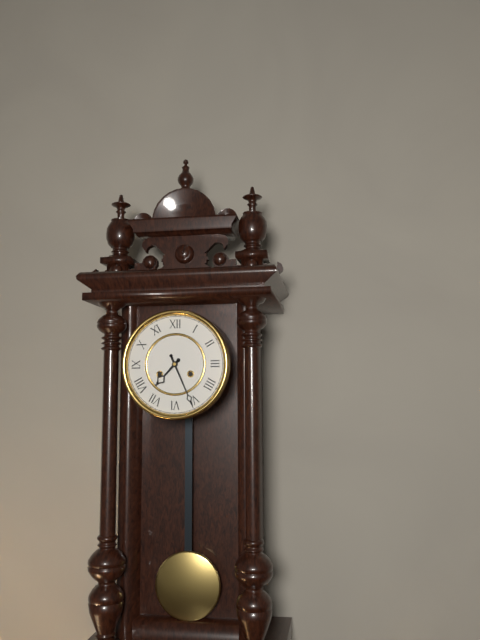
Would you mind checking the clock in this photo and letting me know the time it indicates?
7:26
